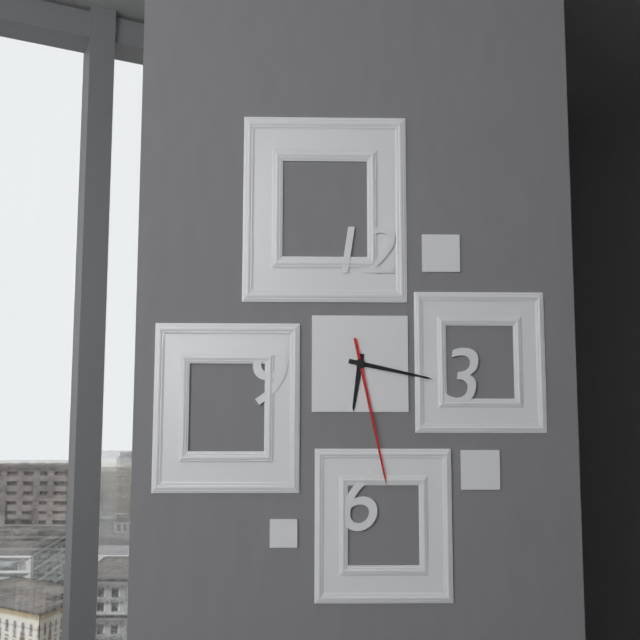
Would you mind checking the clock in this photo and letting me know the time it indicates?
6:17:28
